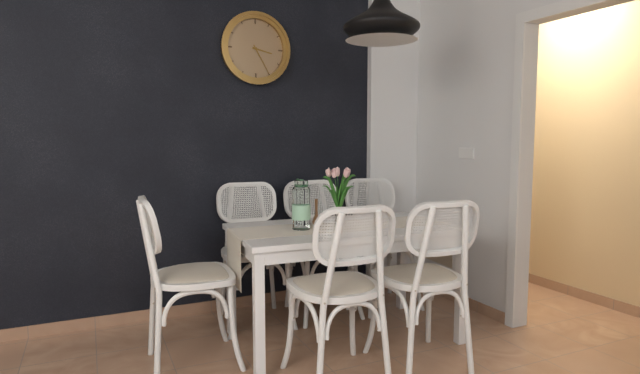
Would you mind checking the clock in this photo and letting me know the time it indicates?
3:25
